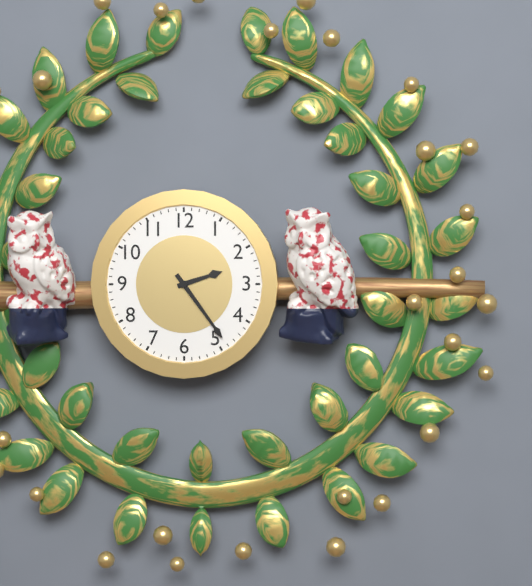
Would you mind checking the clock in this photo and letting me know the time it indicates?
2:24
